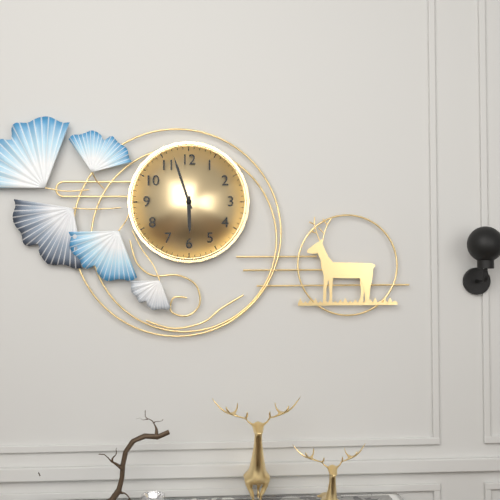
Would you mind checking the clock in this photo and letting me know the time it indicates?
5:57
